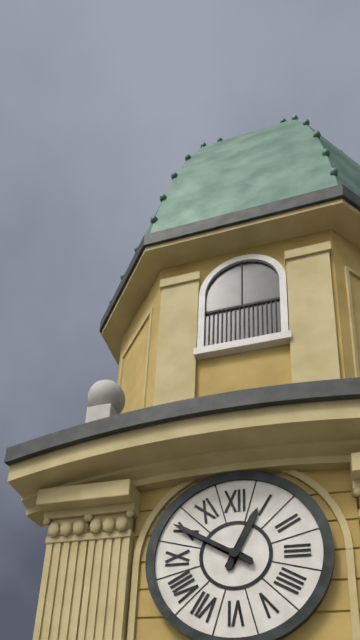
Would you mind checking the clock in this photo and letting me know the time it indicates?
12:50
